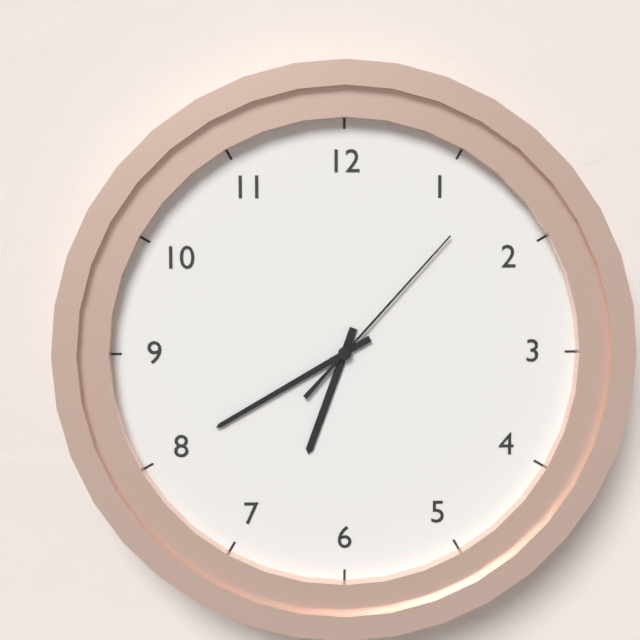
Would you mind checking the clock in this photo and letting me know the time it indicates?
6:40:07
